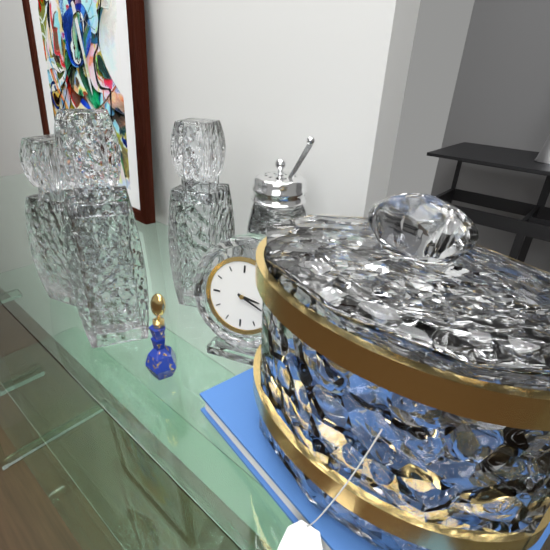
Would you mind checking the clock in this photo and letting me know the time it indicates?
3:19
